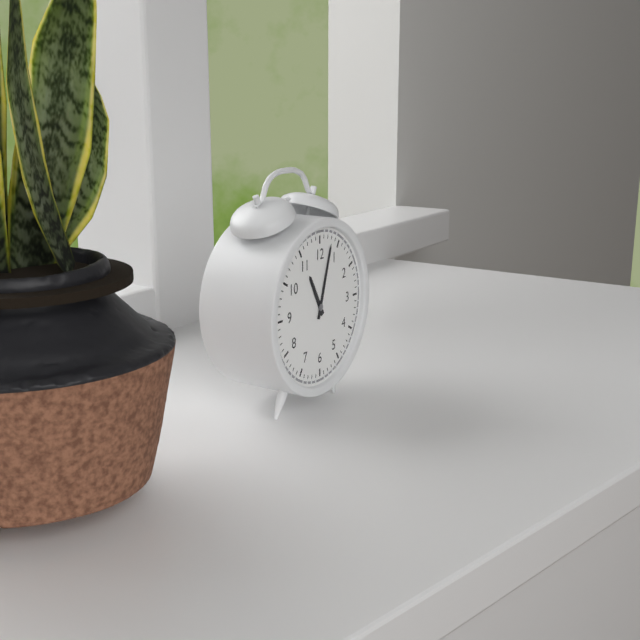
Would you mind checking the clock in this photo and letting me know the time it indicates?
11:03
